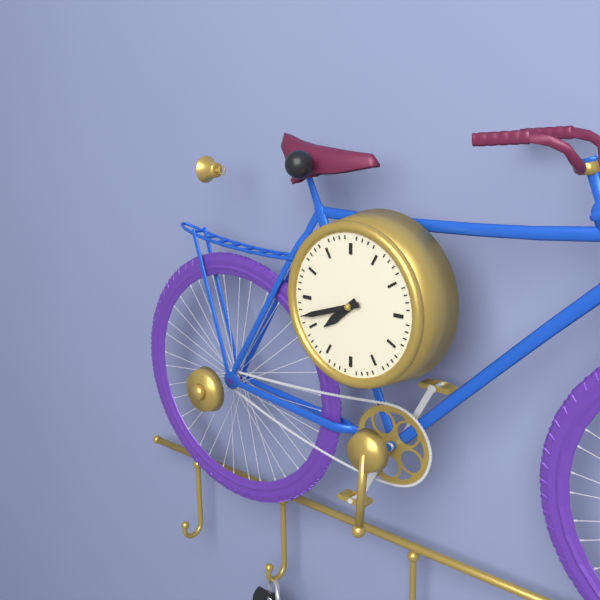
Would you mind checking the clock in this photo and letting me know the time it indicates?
7:42
